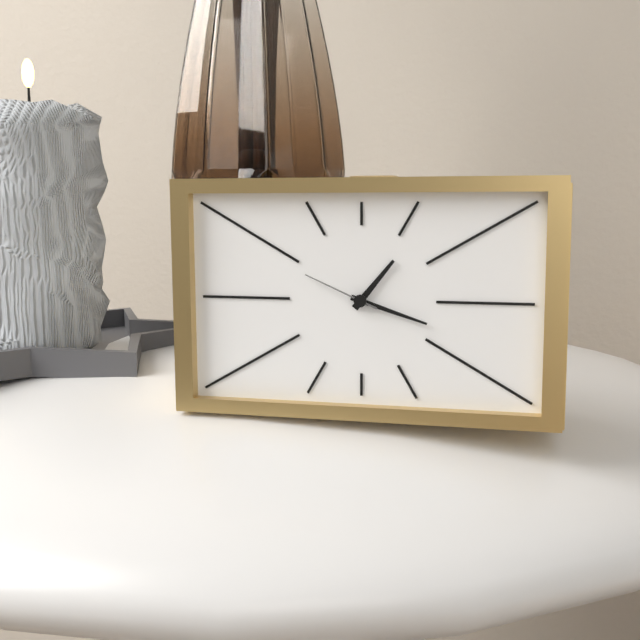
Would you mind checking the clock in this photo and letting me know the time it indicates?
1:18:49
